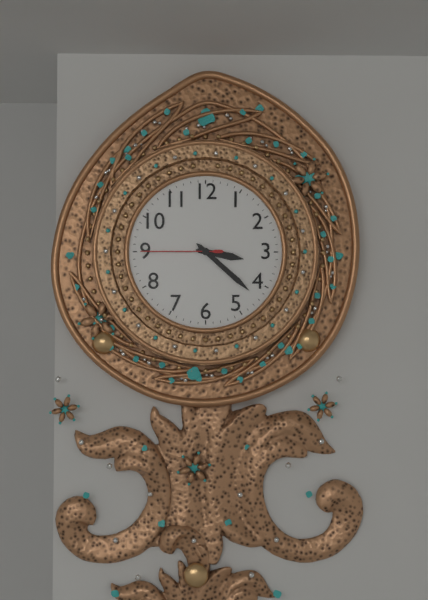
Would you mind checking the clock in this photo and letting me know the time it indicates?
3:22:45
